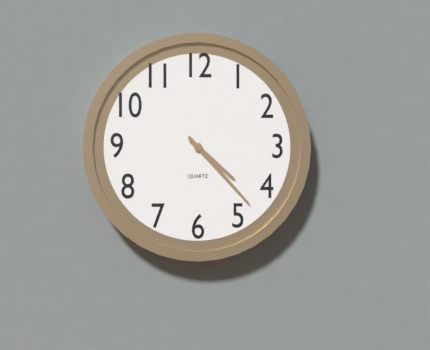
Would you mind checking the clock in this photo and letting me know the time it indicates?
4:23
